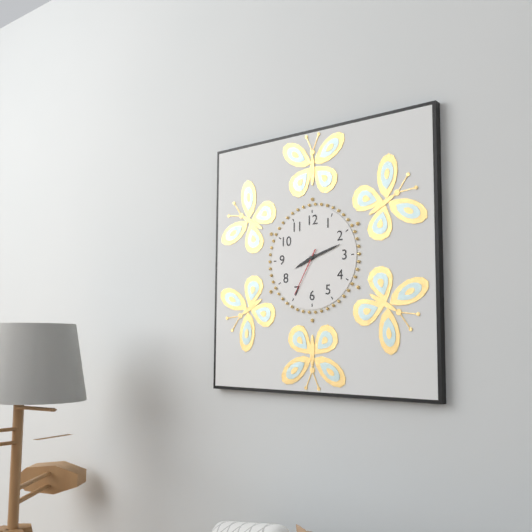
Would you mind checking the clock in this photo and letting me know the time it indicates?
8:12:35
